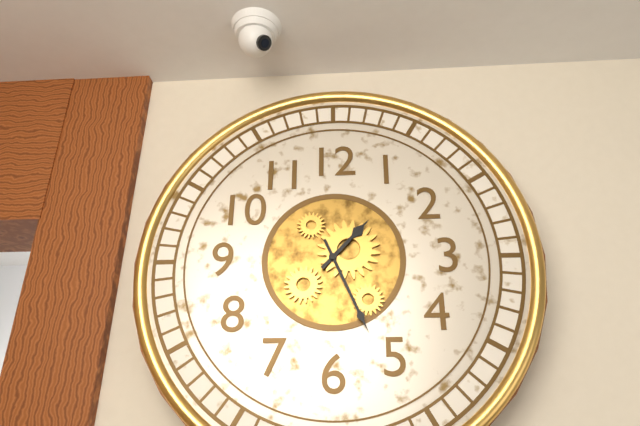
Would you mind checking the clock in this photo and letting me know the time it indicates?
1:26
